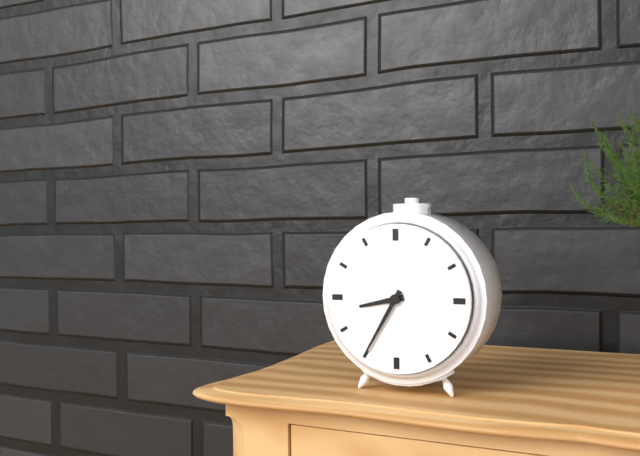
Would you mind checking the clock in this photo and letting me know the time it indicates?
8:35
